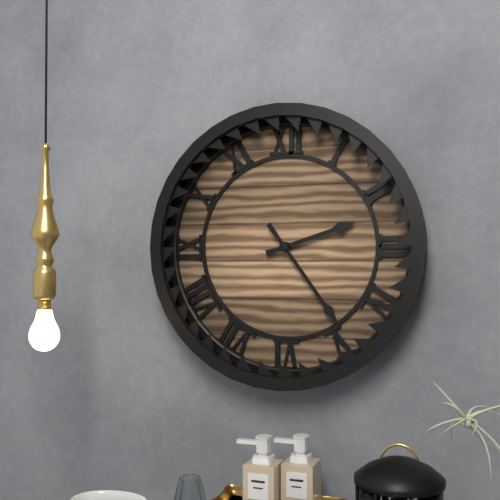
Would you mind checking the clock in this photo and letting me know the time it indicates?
2:24
